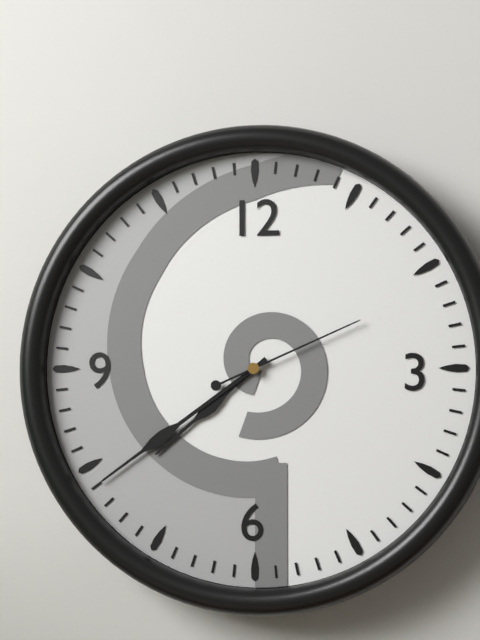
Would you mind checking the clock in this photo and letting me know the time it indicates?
7:39:11
